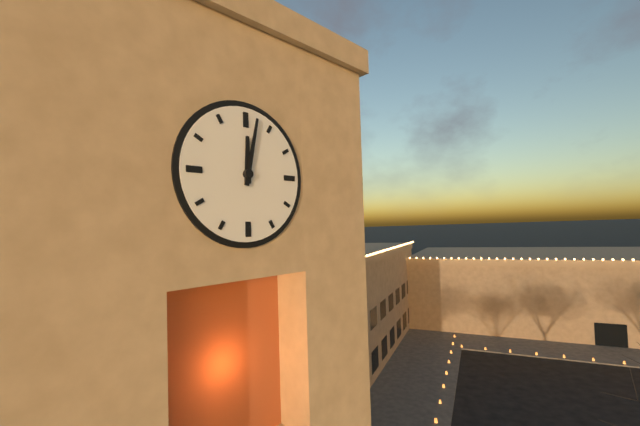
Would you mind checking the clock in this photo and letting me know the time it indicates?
12:02
